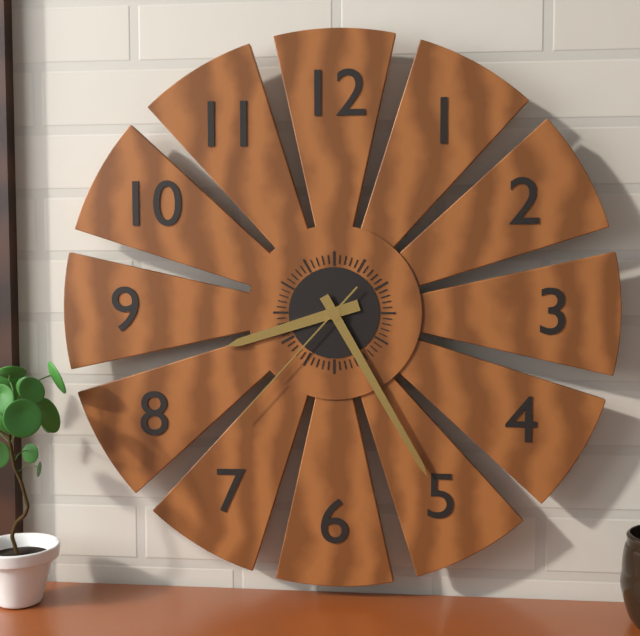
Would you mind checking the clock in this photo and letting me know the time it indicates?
8:25:37
